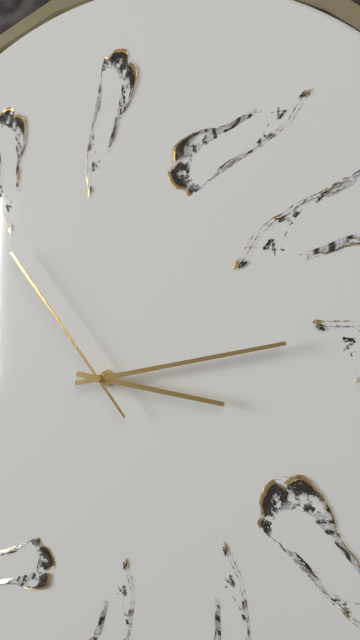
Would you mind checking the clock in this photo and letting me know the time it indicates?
3:13:53
